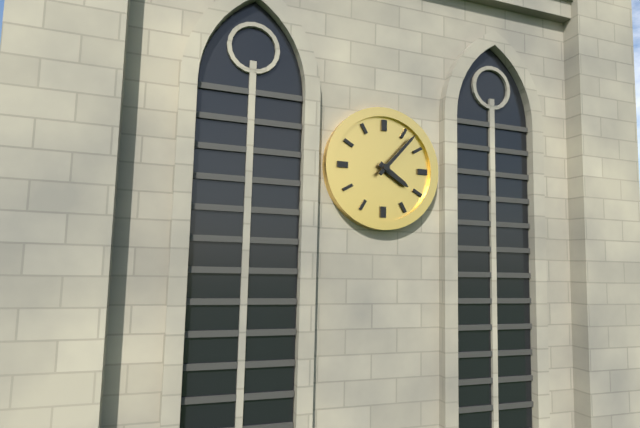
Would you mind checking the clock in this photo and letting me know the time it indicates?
4:07
